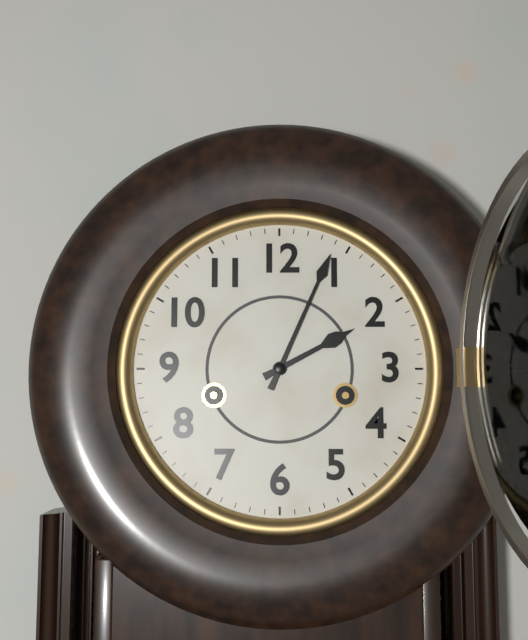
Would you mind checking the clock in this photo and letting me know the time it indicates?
2:04
